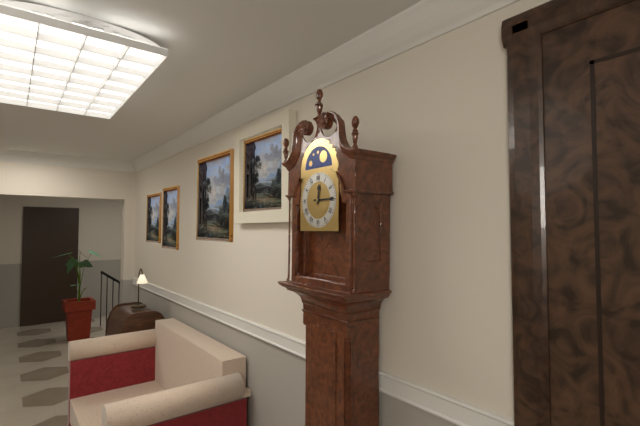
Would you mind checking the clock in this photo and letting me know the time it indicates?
12:15
